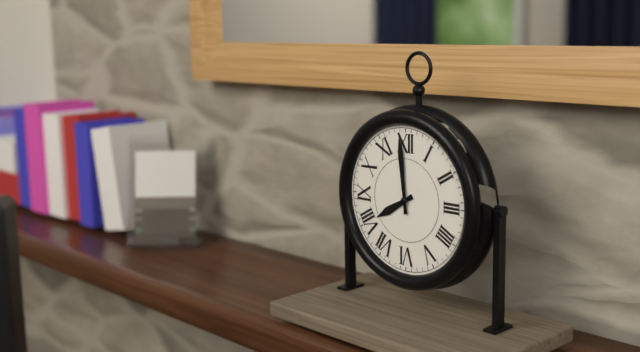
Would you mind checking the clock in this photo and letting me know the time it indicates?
7:59
